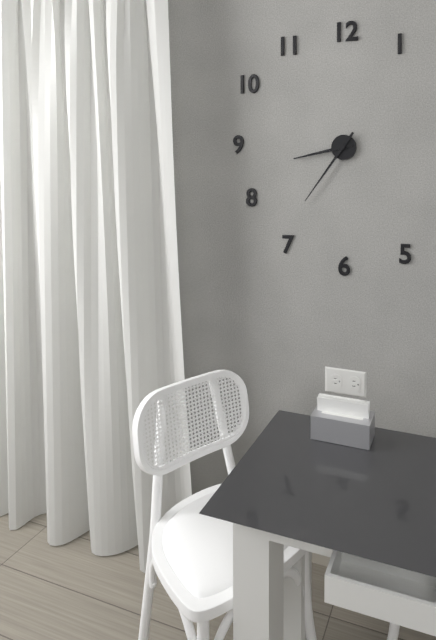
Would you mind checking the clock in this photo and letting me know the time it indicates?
8:36
